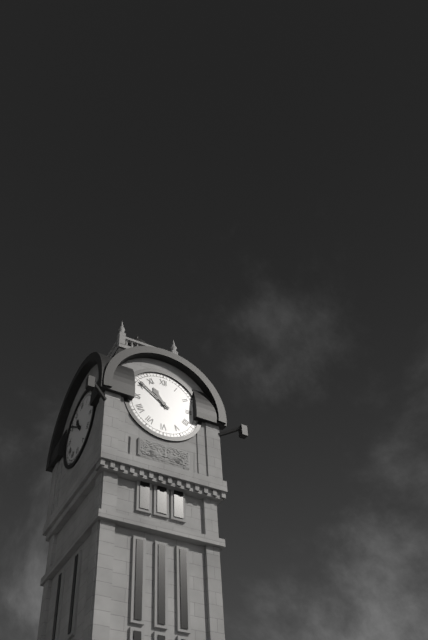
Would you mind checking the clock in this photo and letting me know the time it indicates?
10:51
